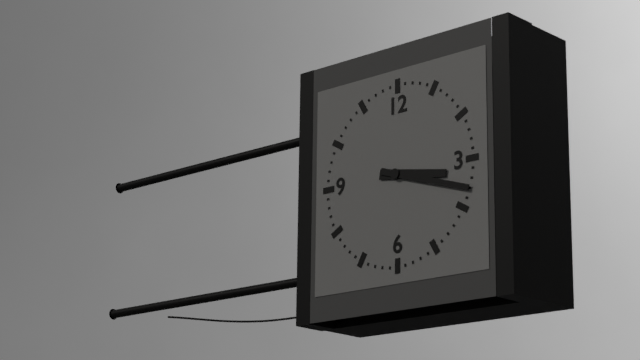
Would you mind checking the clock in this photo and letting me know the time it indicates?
3:18
